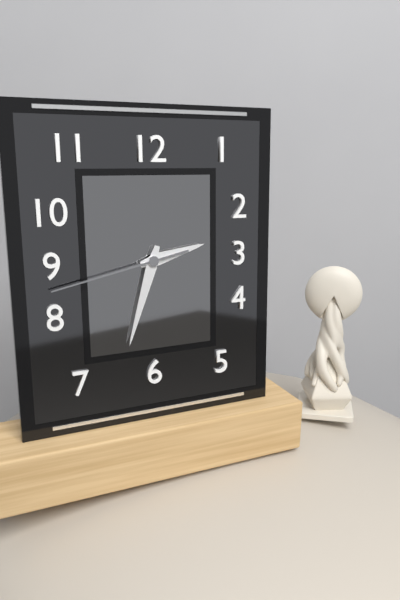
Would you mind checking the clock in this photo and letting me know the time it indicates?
2:33:43
